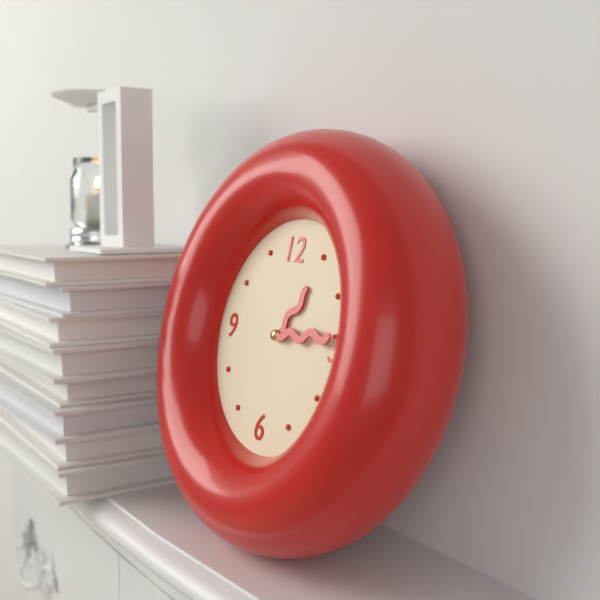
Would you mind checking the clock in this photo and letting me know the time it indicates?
1:14
